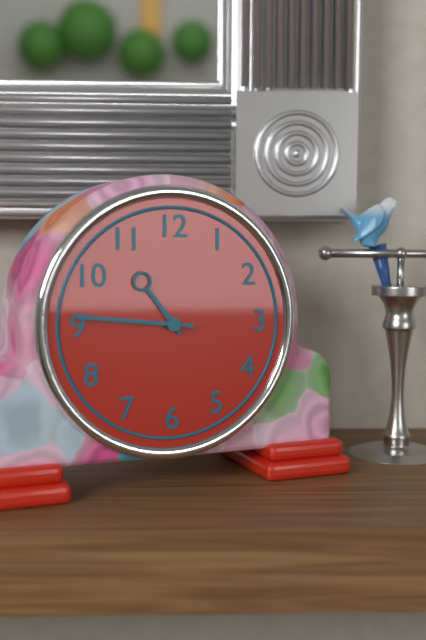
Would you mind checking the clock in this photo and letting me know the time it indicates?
10:46
